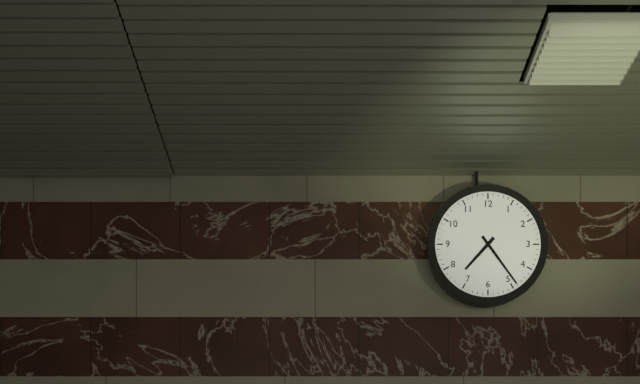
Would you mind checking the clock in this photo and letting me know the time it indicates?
7:24
